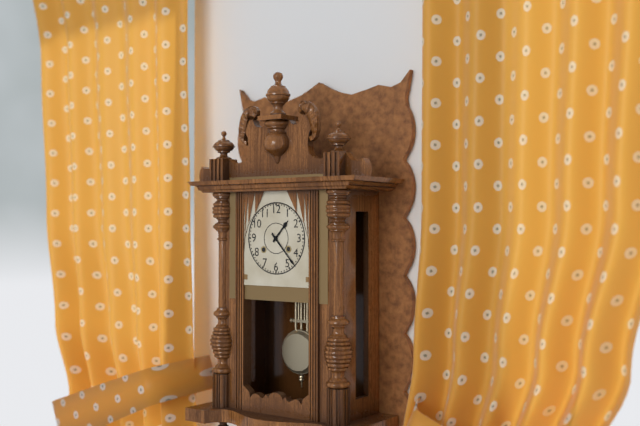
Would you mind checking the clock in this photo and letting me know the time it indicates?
1:23
